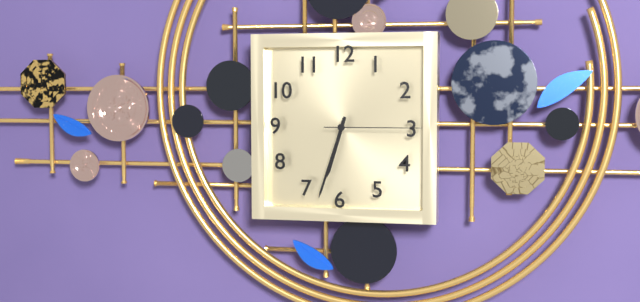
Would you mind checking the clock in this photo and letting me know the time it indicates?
6:33:15
